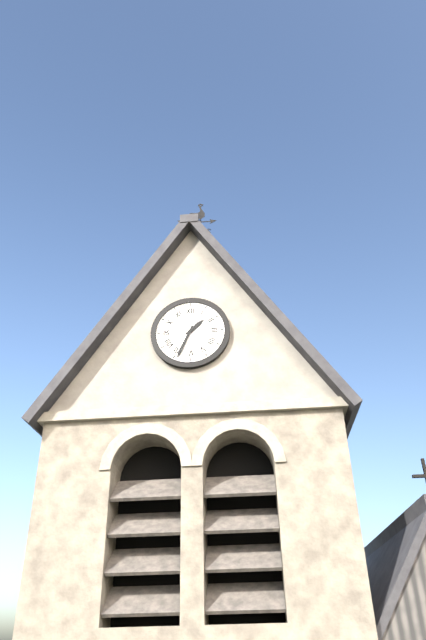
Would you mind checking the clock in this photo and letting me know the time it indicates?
1:34
